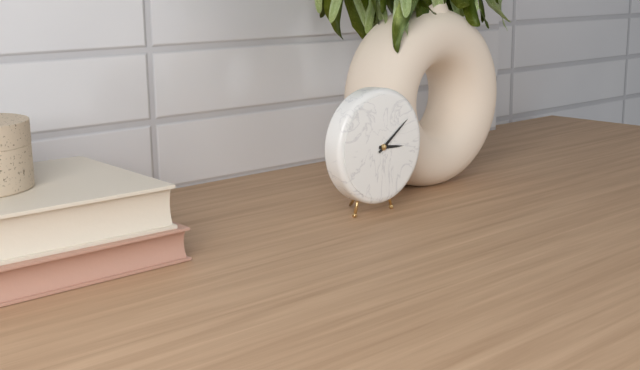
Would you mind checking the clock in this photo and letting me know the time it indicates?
3:09
